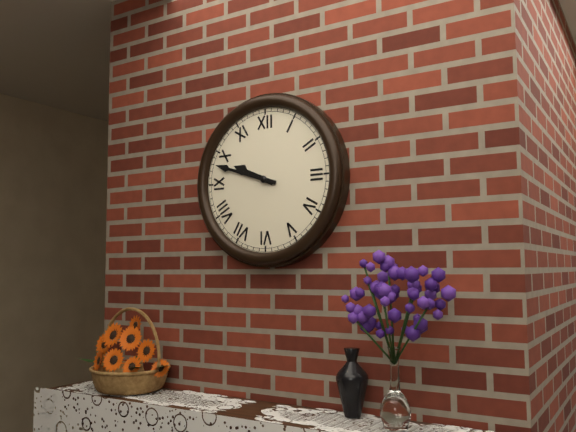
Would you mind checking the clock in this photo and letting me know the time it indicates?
9:48
